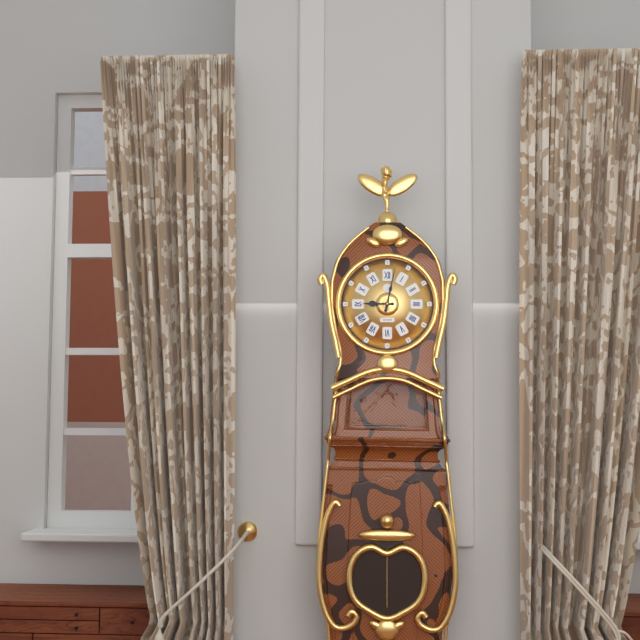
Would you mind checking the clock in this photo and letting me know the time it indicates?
9:02
